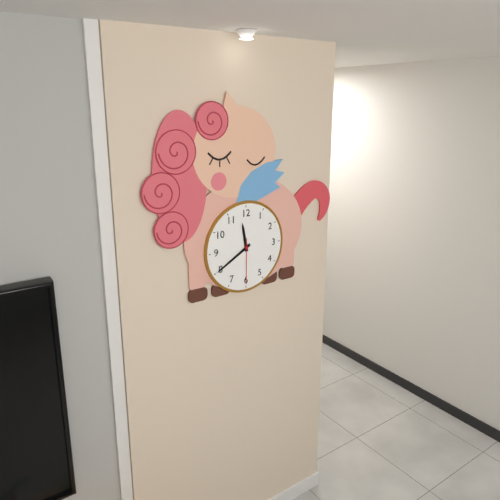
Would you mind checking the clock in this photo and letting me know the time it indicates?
11:40
